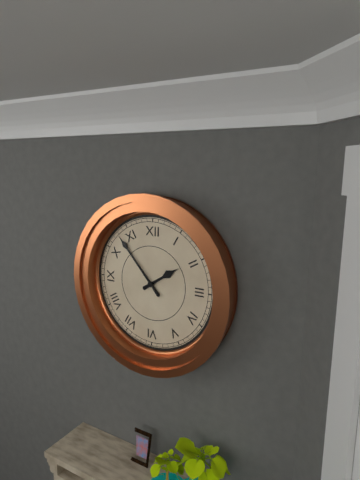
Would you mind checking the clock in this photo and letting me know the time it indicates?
1:53
